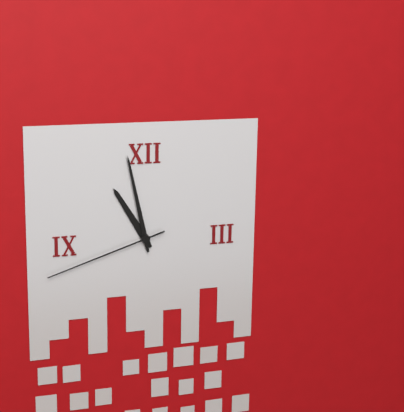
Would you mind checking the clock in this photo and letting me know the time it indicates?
10:58:42
